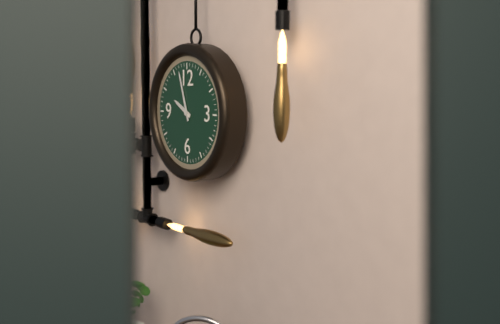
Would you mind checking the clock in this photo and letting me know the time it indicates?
9:57
